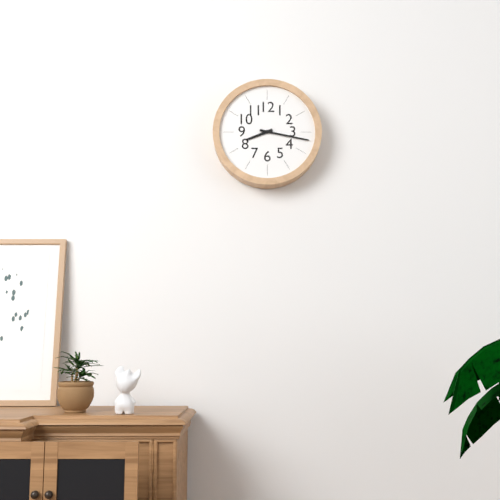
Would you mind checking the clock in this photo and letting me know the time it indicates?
8:17
